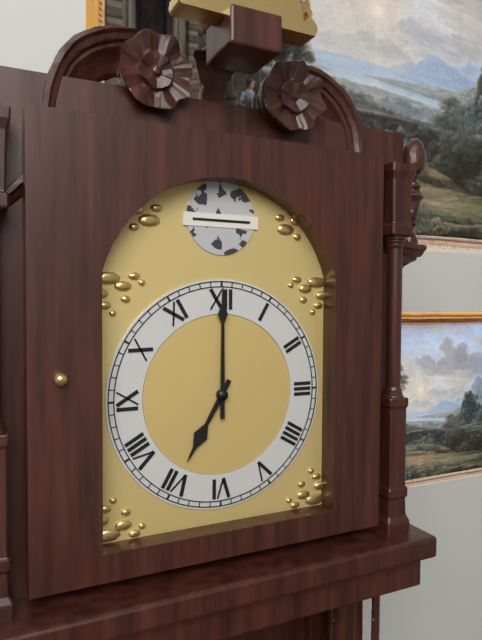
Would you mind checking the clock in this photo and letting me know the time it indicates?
7:00
